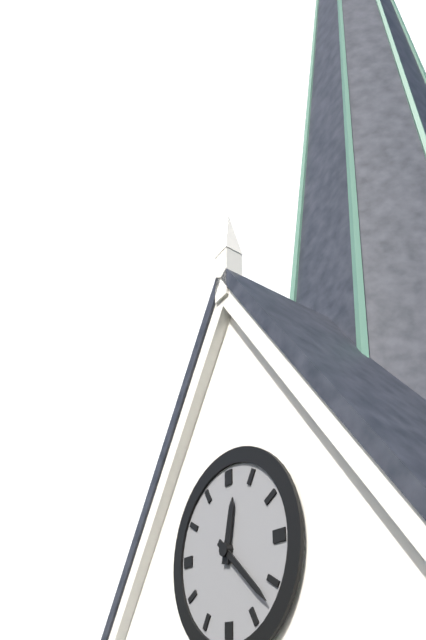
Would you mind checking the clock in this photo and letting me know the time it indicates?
12:22
